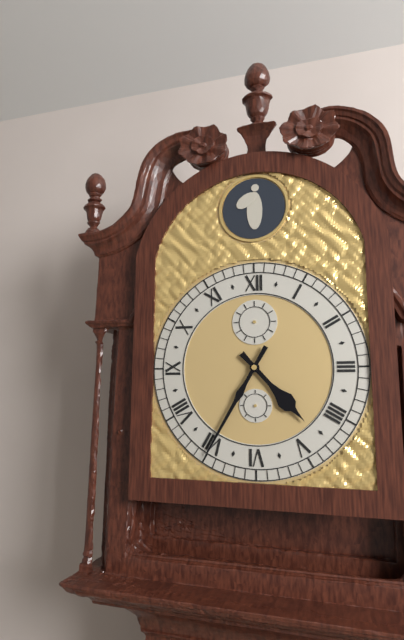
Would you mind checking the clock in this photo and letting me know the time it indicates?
4:35
